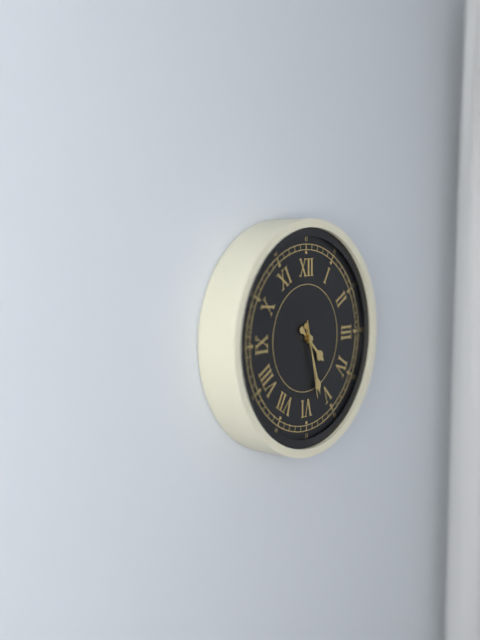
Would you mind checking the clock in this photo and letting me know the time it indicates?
4:27:28
